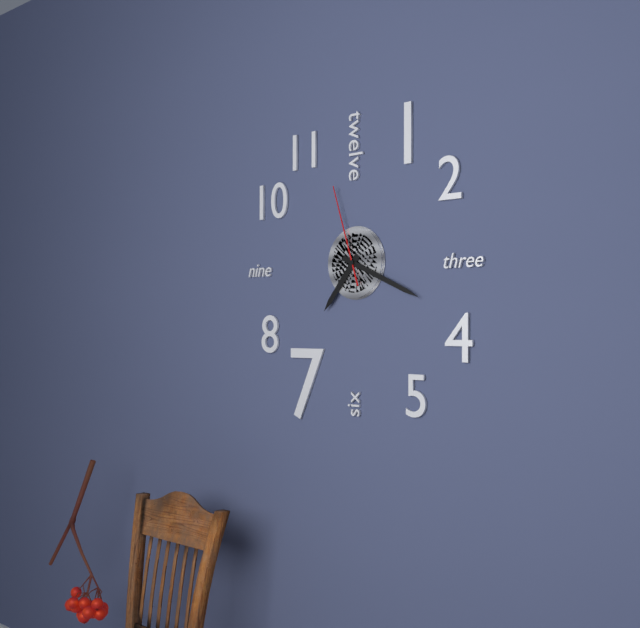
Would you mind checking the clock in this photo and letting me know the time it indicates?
7:19:57
